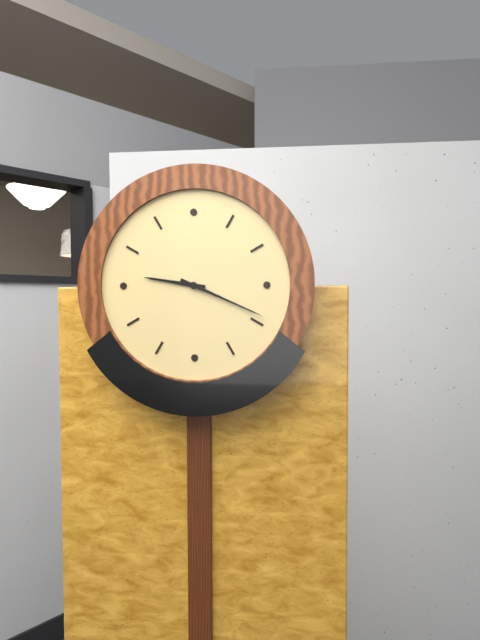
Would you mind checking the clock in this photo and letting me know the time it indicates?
9:19
